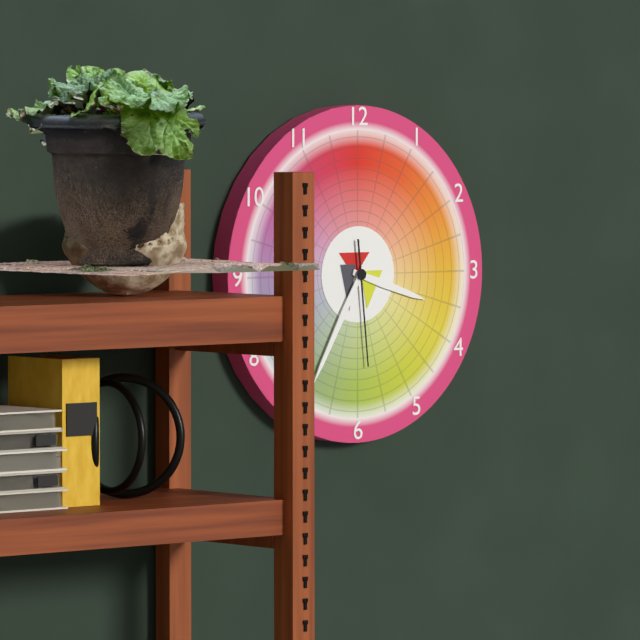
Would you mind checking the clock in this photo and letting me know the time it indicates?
3:35:29
